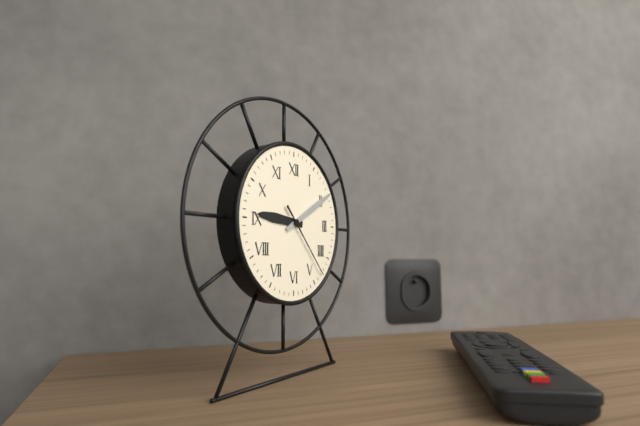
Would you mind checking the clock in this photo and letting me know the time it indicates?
9:10:23
